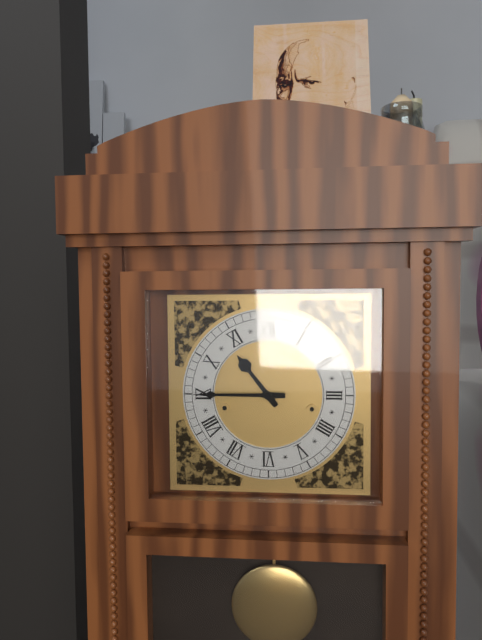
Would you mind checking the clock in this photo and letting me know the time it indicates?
10:45
